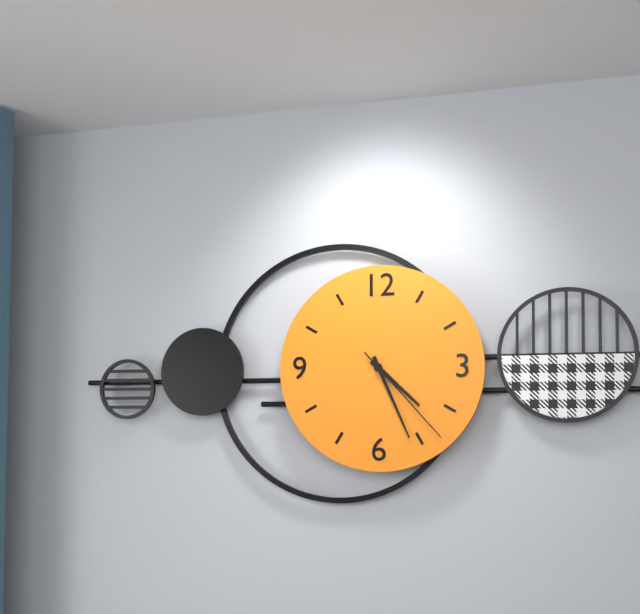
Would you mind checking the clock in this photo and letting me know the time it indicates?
4:26:23
